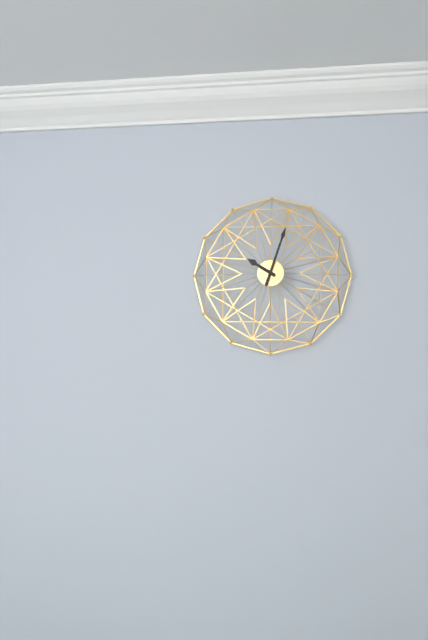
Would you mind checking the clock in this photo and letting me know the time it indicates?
10:03
